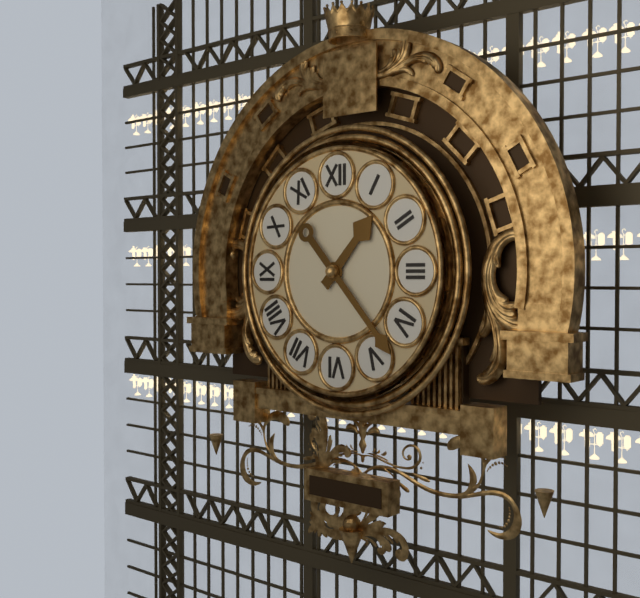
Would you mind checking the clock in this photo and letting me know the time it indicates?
1:23
